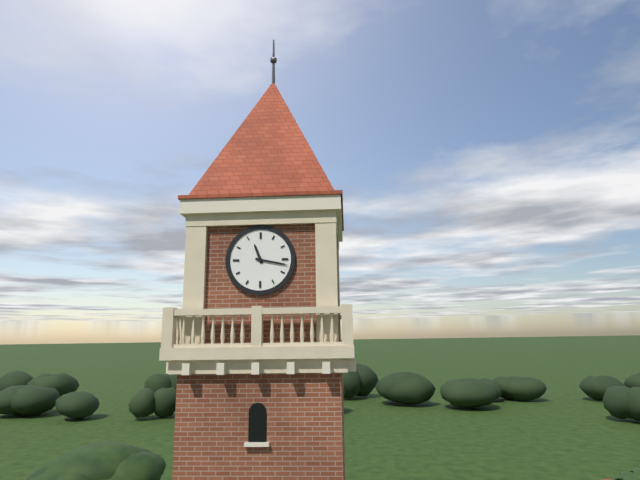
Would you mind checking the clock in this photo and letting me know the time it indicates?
11:17
